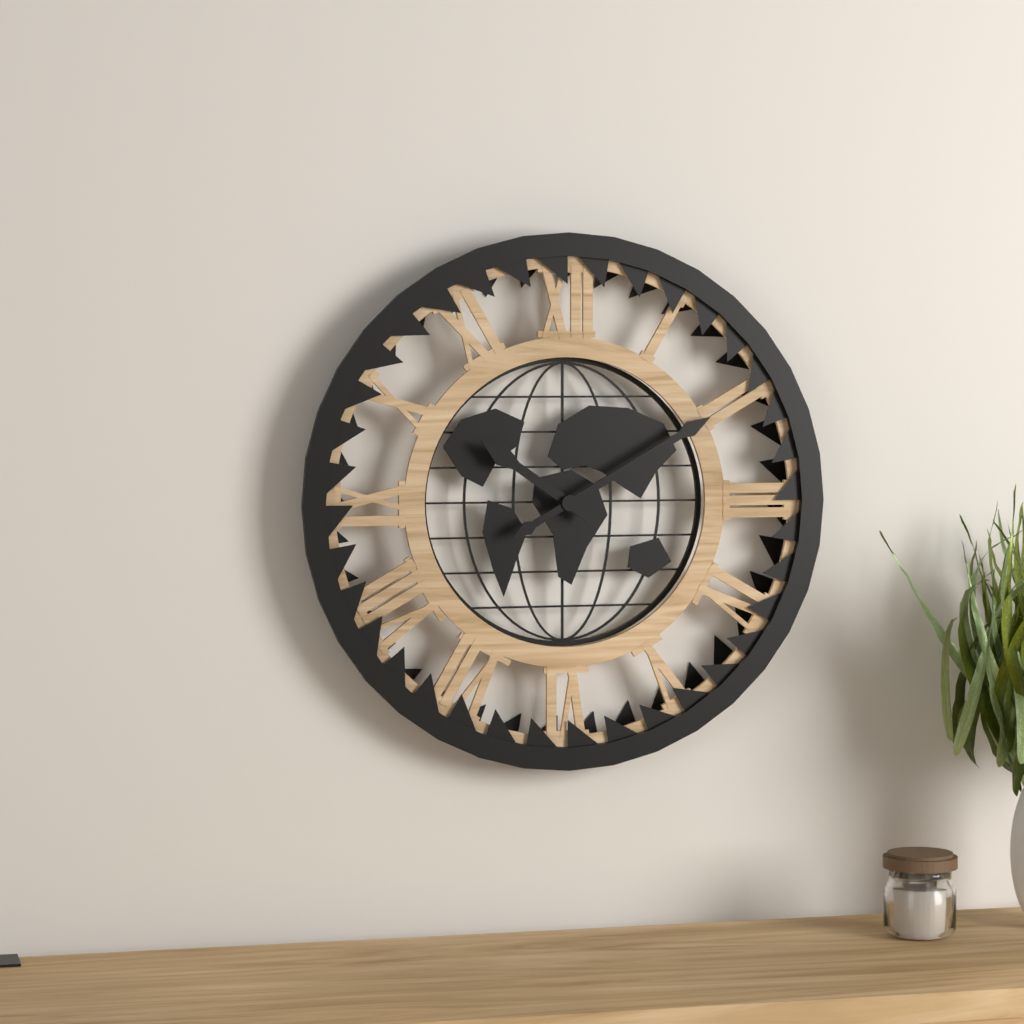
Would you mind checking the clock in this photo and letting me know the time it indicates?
10:10
